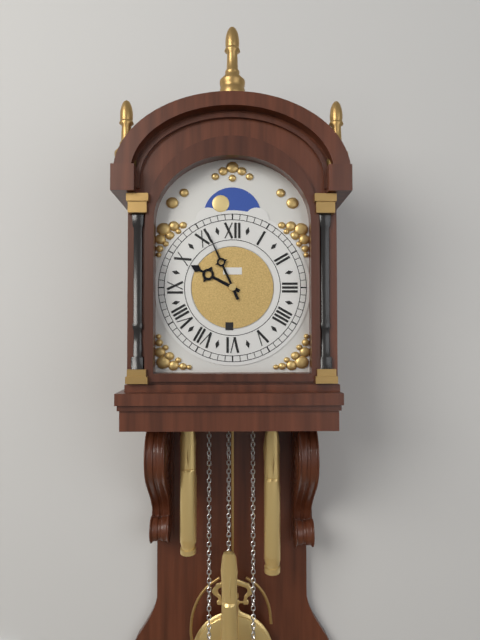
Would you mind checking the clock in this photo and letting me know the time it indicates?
9:56
